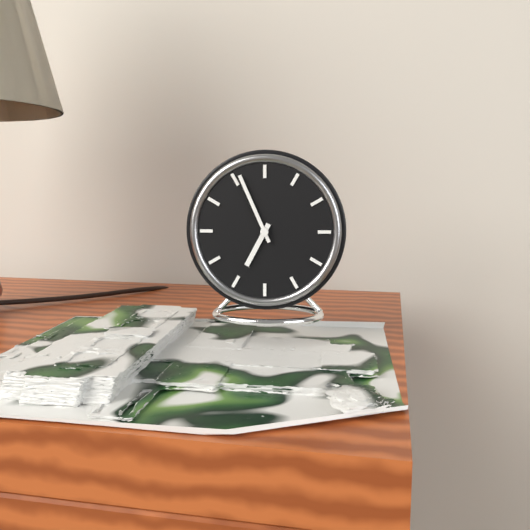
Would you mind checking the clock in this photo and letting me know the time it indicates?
6:56
